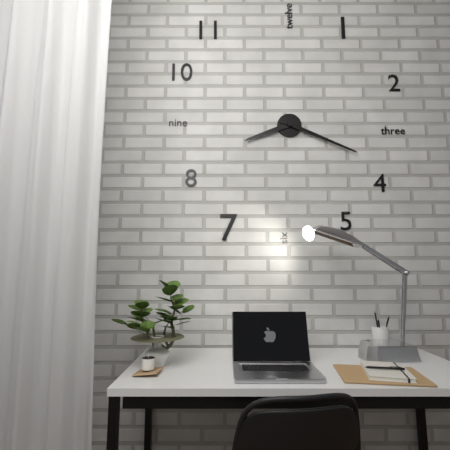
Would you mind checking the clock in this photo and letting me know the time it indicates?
8:19
